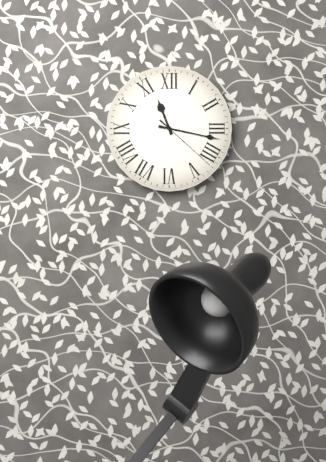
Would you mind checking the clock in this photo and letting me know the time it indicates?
11:17:22
